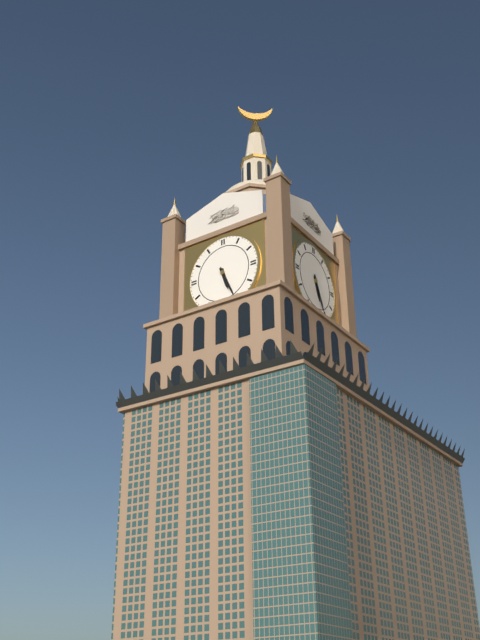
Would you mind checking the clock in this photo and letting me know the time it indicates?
5:26
